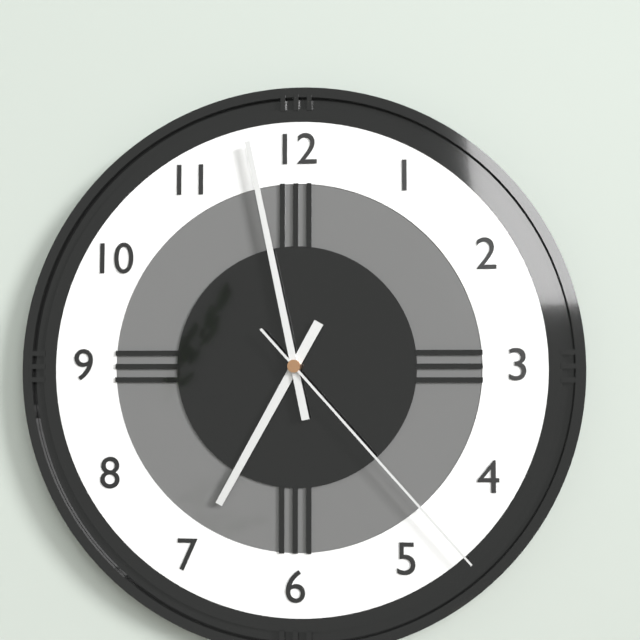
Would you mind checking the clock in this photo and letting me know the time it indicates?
6:58:23
